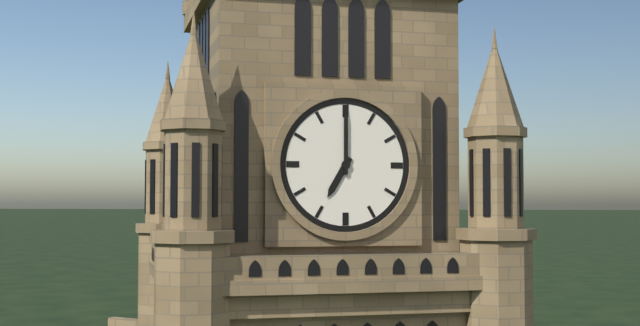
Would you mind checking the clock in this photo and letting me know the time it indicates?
7:00
